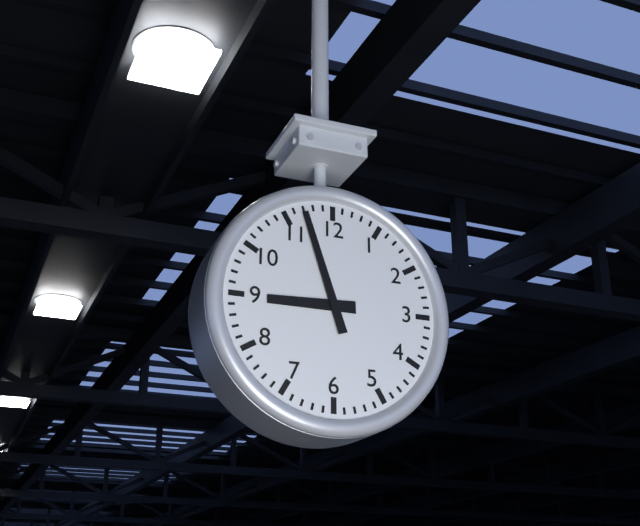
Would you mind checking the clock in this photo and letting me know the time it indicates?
8:57
